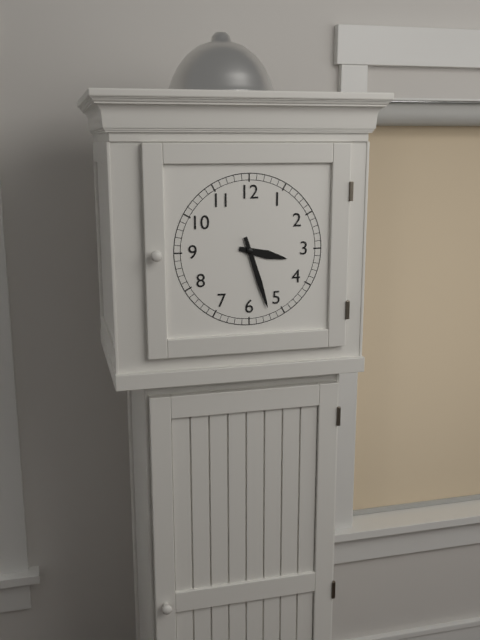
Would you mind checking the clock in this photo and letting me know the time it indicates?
3:27
